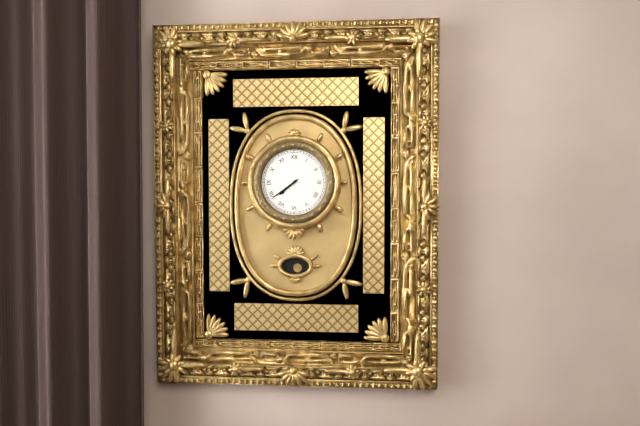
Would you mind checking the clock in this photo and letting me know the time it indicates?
7:39
